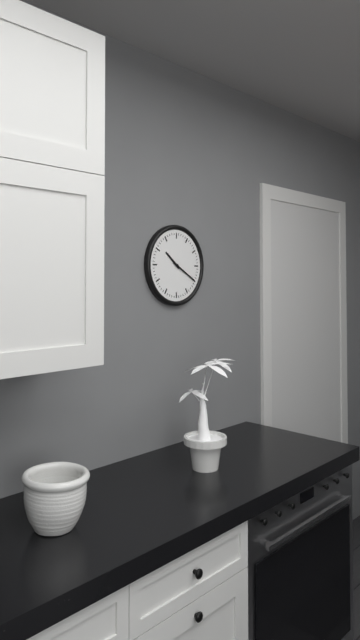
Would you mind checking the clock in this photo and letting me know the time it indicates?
10:20
